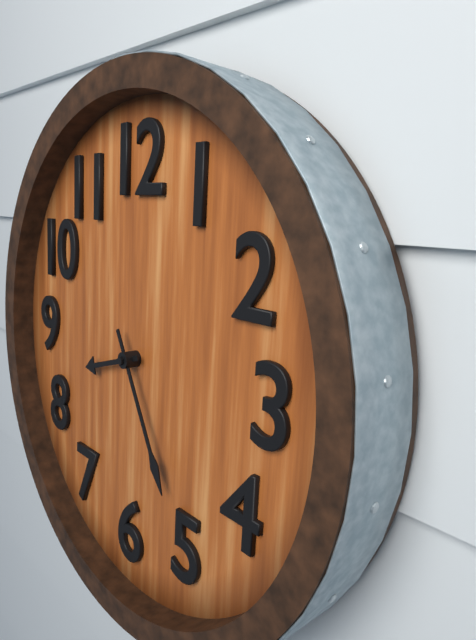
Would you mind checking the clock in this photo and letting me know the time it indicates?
8:25
